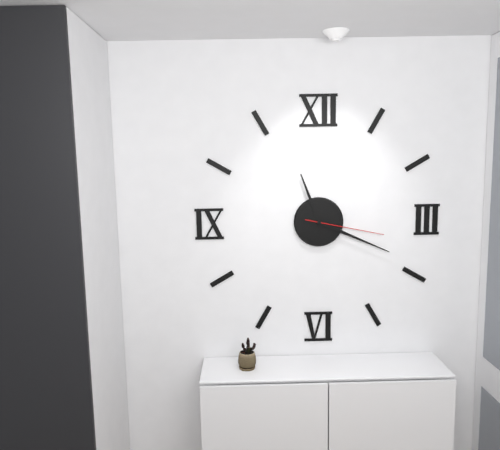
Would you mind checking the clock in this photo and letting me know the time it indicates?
11:19:17
